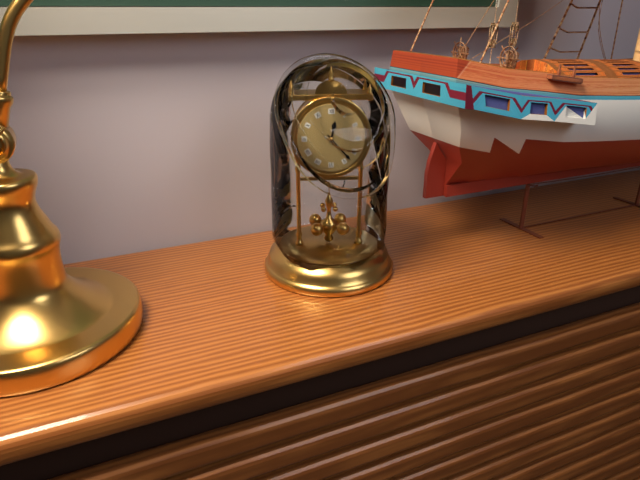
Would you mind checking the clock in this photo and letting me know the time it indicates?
12:23
